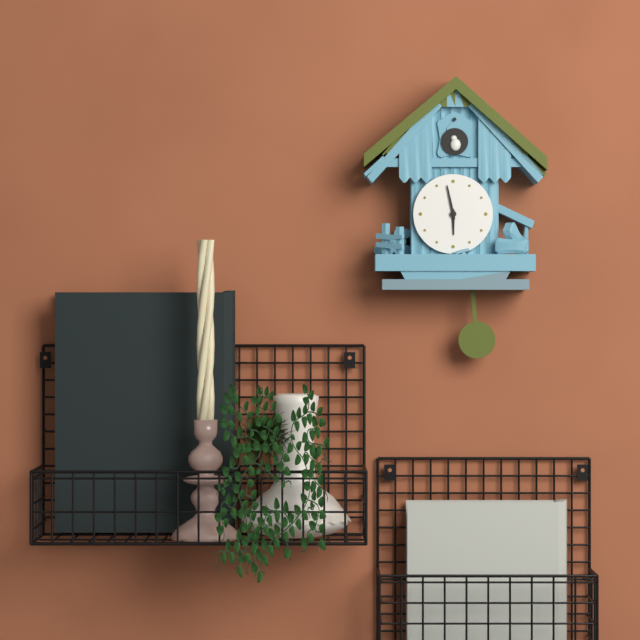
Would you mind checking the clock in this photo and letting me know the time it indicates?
5:58
